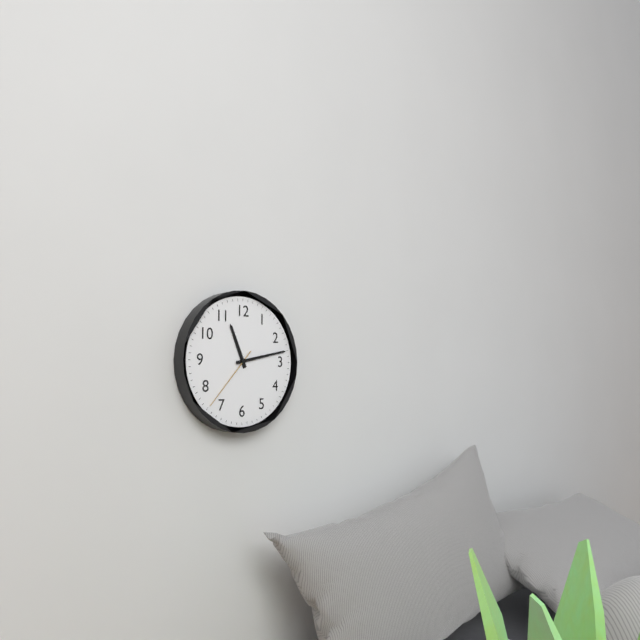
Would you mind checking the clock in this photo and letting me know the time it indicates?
11:13:37
